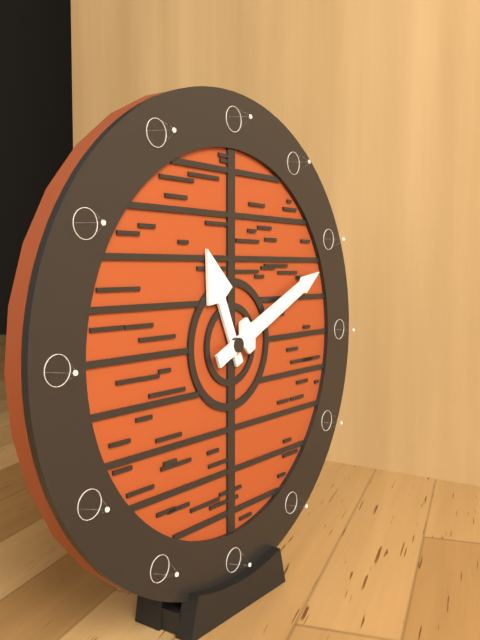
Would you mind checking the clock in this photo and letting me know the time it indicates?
11:11
